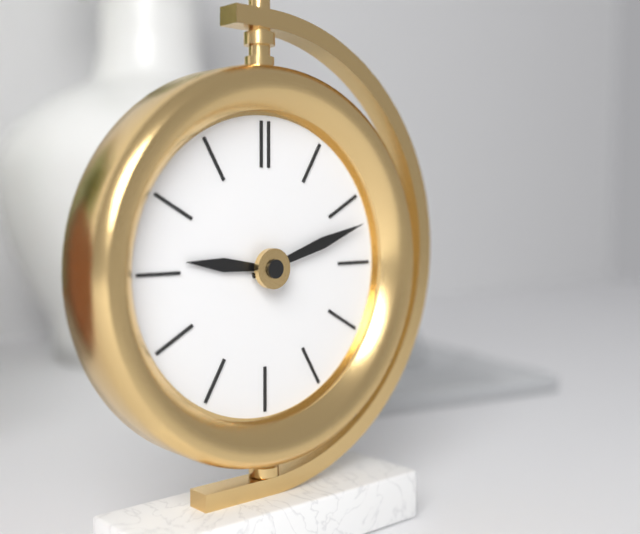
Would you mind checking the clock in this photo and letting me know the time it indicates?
9:12
